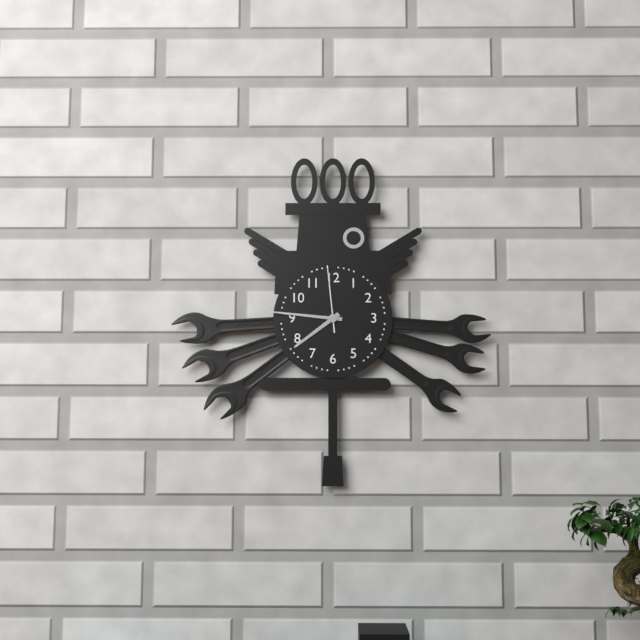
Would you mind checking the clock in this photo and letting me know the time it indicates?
7:46:59
